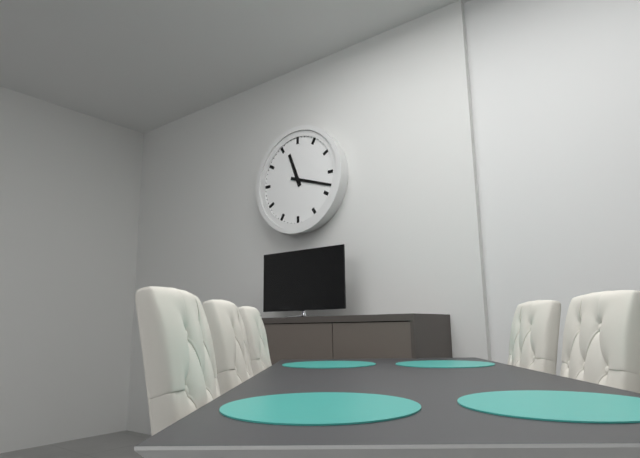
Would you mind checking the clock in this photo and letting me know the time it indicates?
11:18
